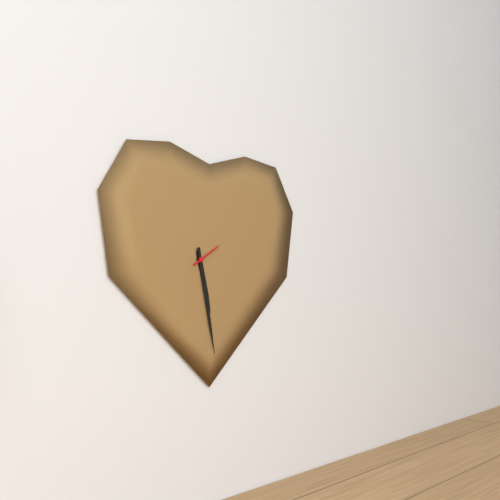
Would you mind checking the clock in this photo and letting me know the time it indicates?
5:28
